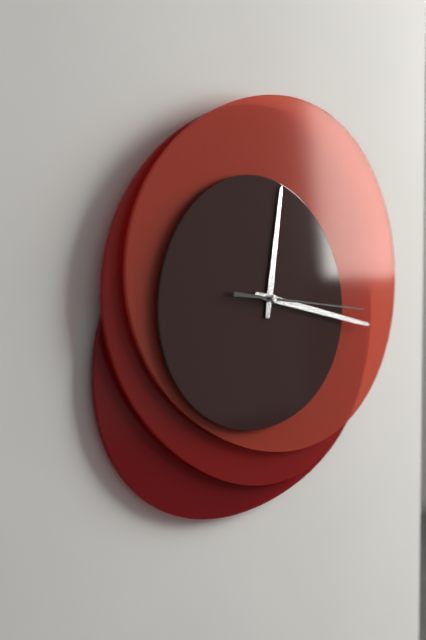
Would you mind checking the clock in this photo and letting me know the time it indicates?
12:17:16
